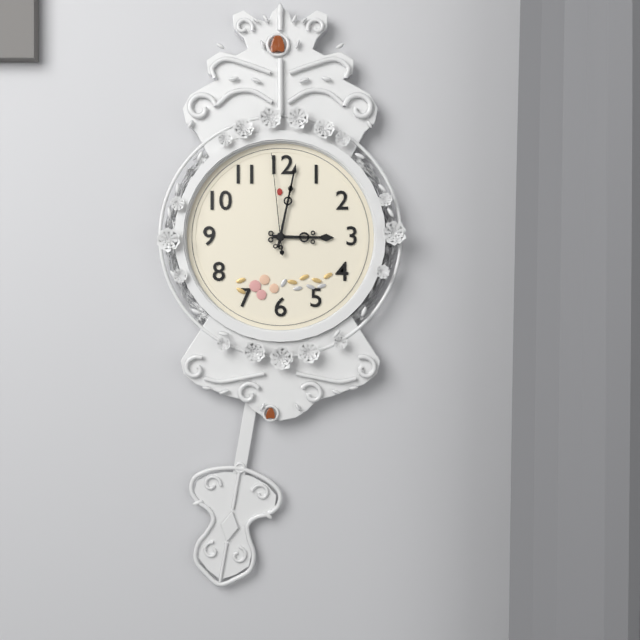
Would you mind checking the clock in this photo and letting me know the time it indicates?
3:02:59
